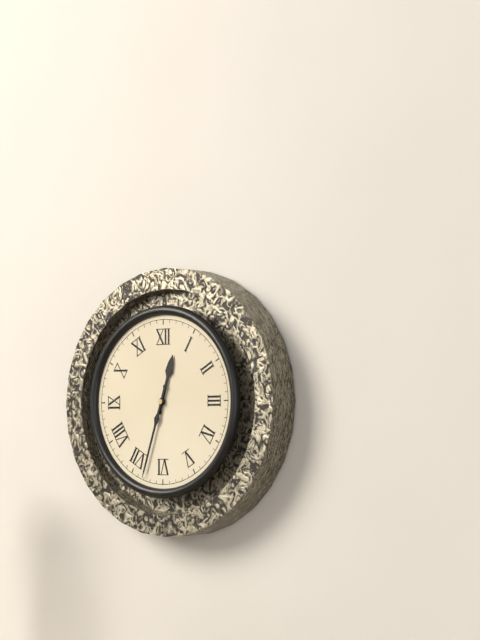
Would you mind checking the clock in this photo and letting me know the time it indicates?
12:33
